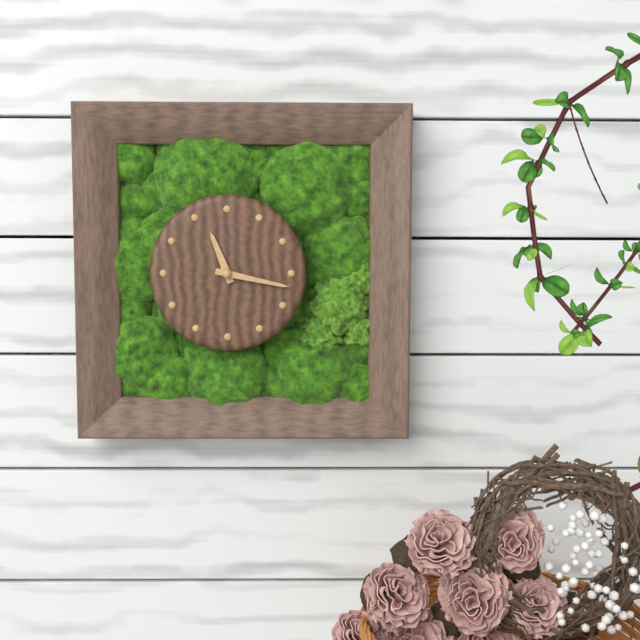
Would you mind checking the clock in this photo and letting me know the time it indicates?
11:17
